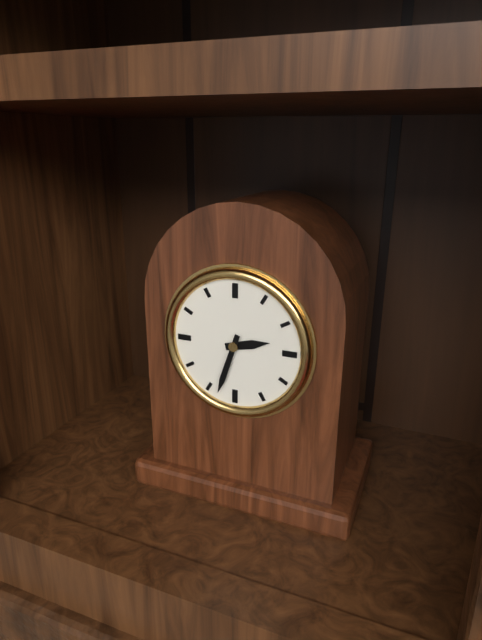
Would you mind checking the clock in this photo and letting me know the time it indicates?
2:33
